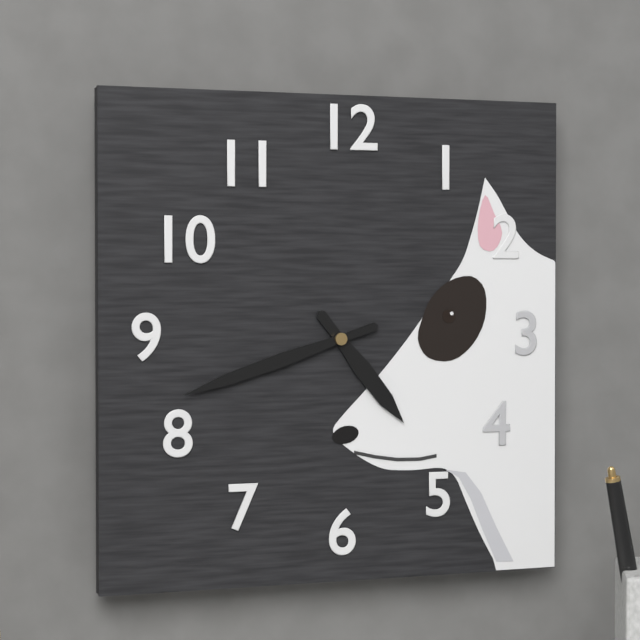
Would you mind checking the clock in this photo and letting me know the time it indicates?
4:42
